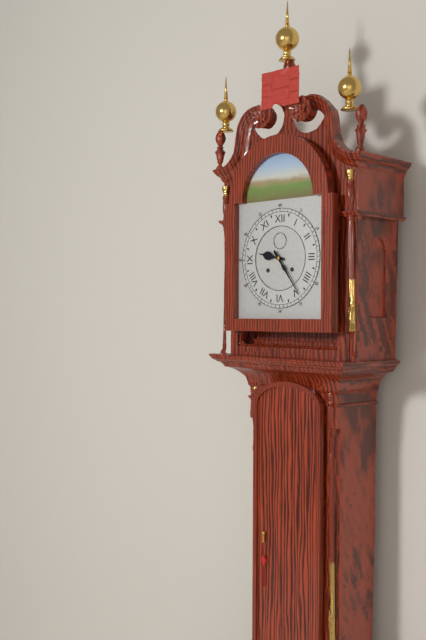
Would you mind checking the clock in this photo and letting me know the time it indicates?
9:24
